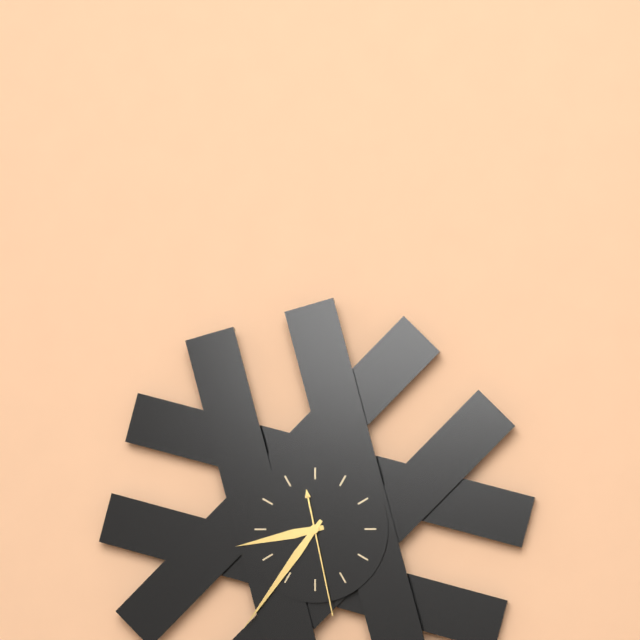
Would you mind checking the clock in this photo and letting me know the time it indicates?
8:36:28
